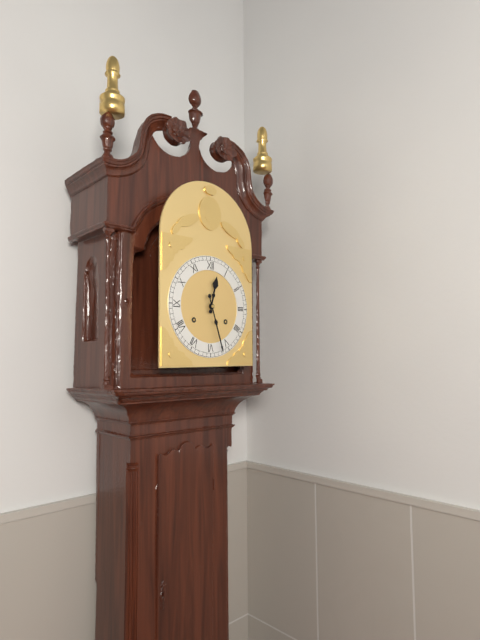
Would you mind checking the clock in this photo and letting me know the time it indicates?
12:27
